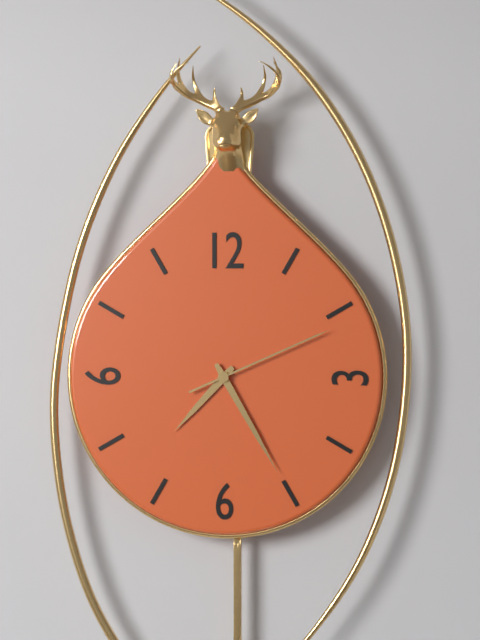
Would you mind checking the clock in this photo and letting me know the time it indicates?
7:25:11
